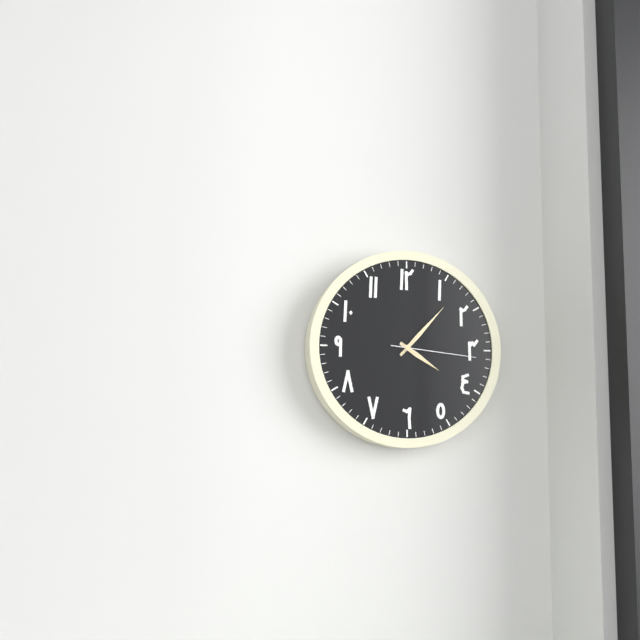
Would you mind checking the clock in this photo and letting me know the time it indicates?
4:07:16
